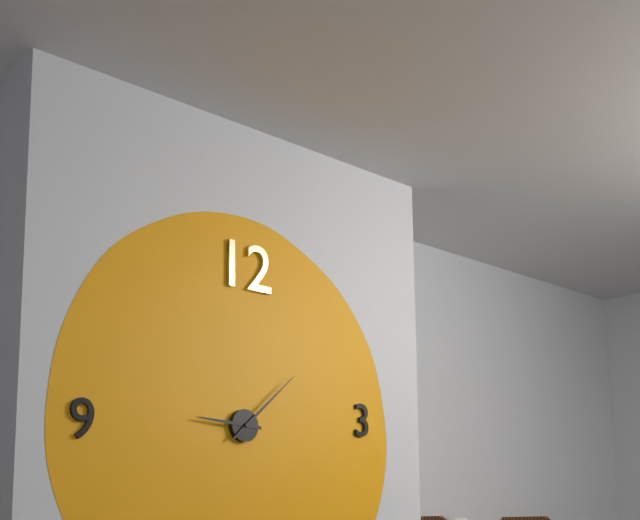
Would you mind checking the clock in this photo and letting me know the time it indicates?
9:08
